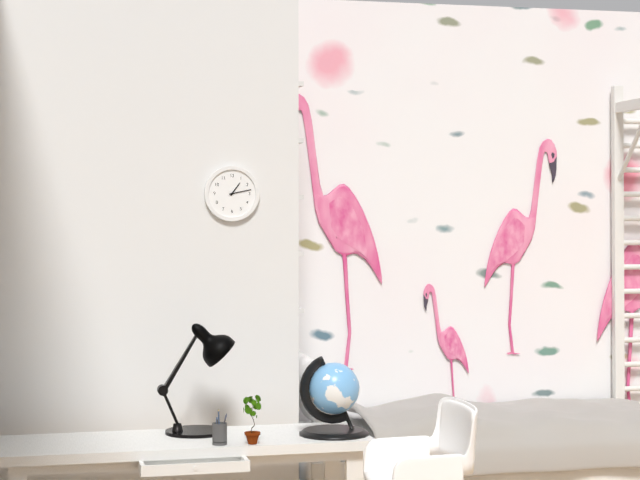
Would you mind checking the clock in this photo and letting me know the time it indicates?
1:13
